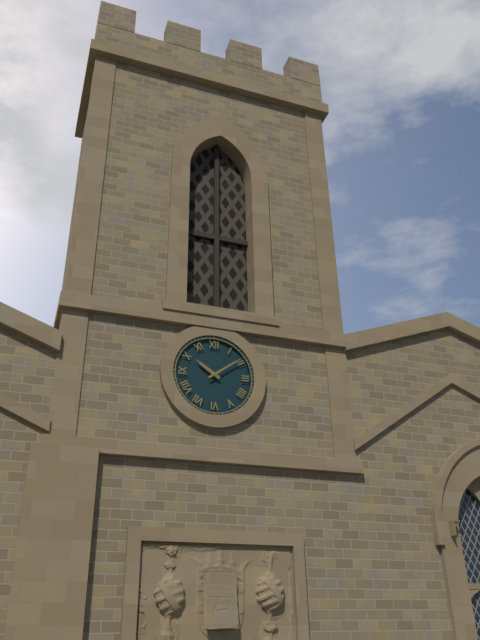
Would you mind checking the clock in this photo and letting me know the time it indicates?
10:09
